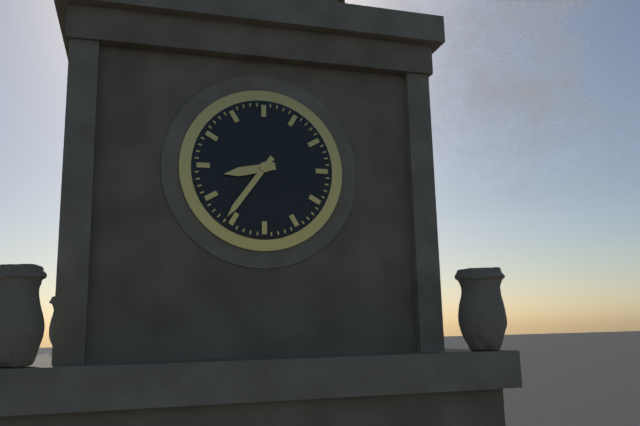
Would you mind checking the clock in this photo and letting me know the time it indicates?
8:36
